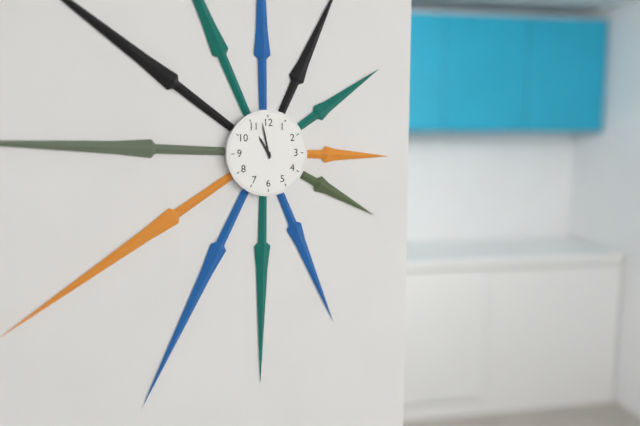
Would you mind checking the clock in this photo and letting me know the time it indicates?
10:58
